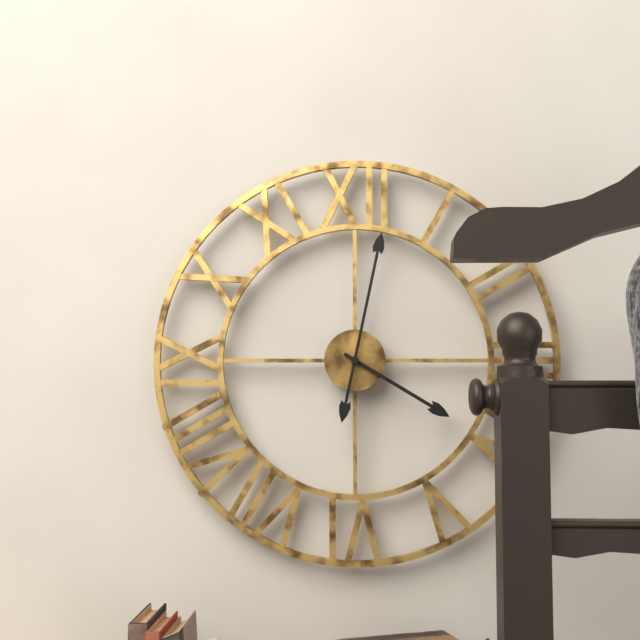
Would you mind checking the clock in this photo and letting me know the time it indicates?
4:02
